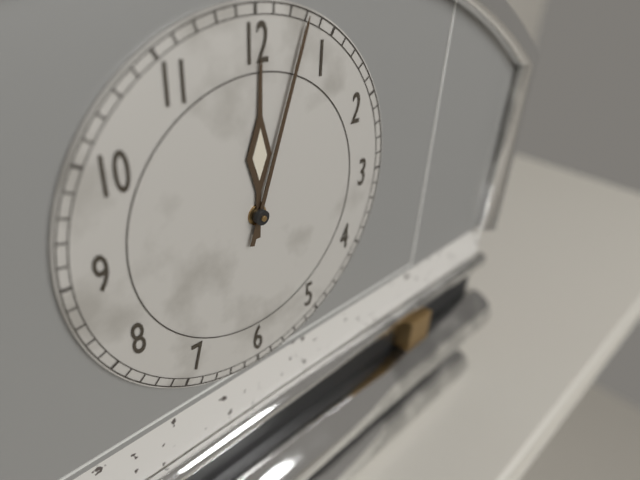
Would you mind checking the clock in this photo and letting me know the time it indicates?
12:03
